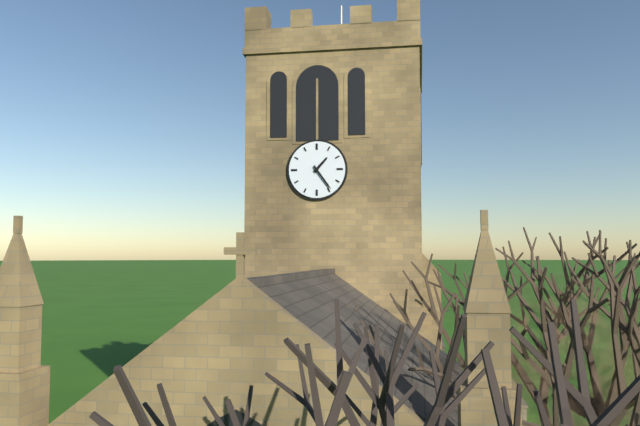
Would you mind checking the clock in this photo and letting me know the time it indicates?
1:24
